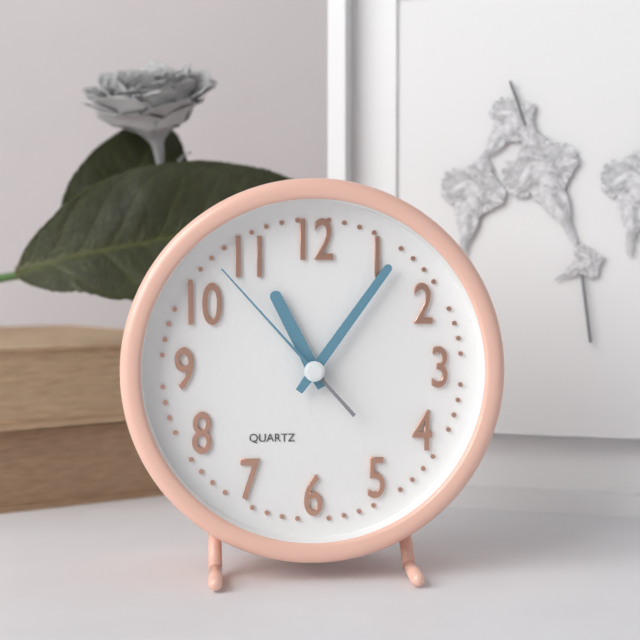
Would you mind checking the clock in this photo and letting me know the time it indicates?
11:06:53
